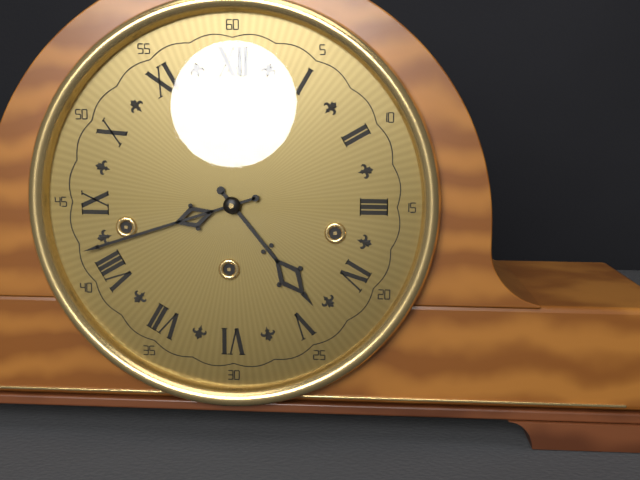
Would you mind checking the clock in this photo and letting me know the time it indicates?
4:42
